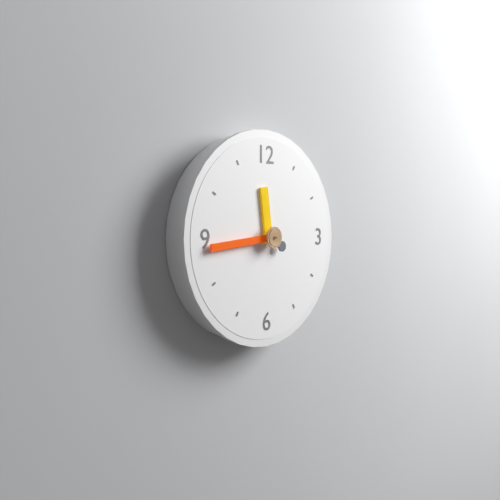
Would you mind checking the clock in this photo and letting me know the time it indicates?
11:44
